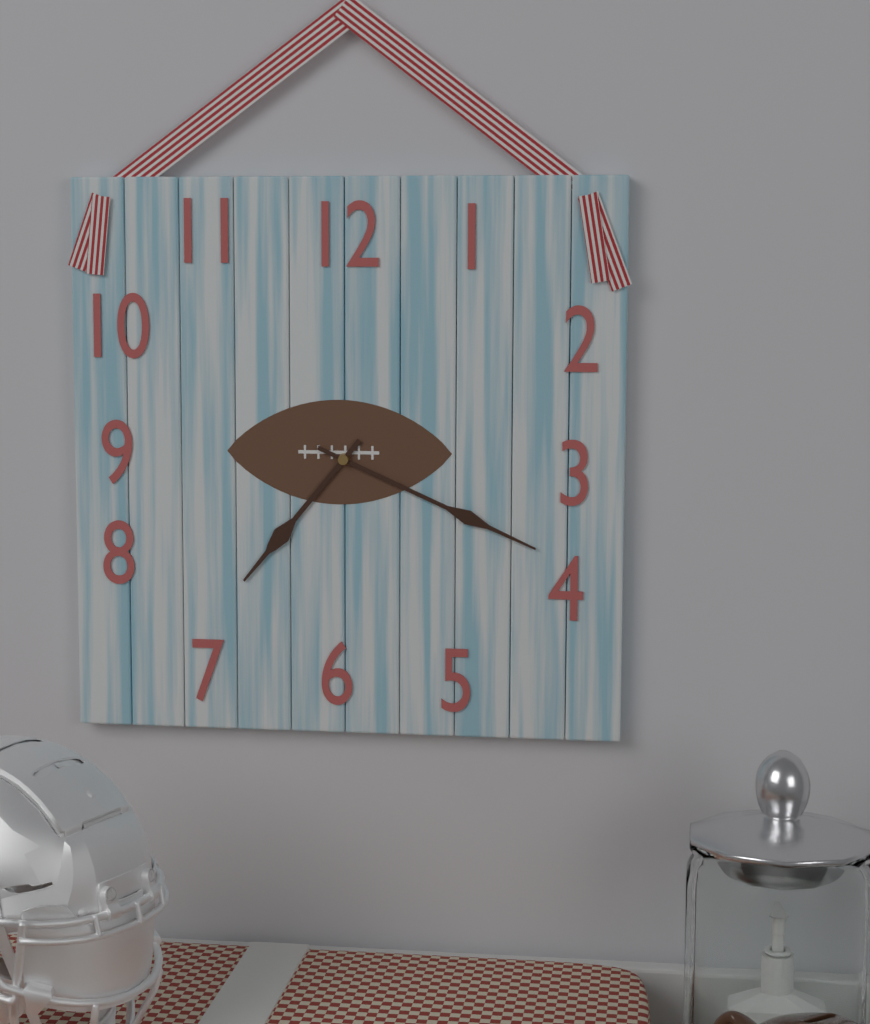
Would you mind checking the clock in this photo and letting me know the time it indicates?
7:19
